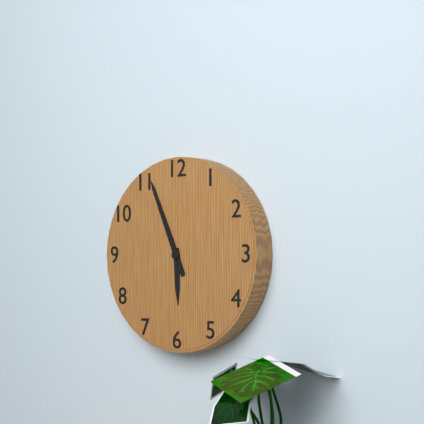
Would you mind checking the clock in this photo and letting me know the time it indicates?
5:56
